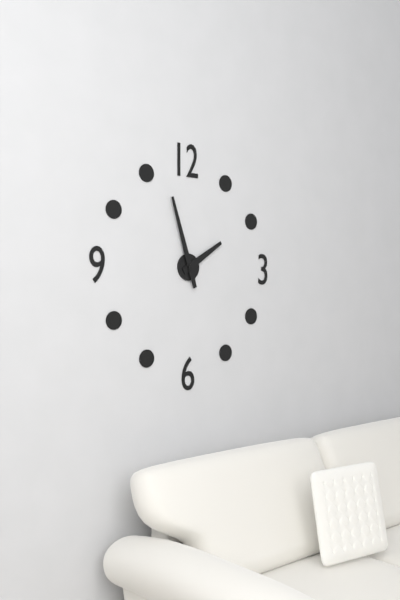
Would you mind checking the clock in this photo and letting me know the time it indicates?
1:57
